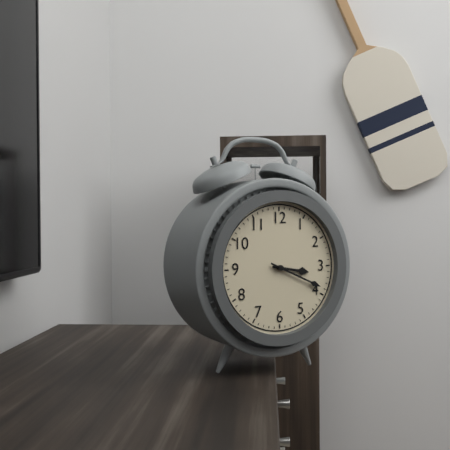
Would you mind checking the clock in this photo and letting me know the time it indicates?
3:19
